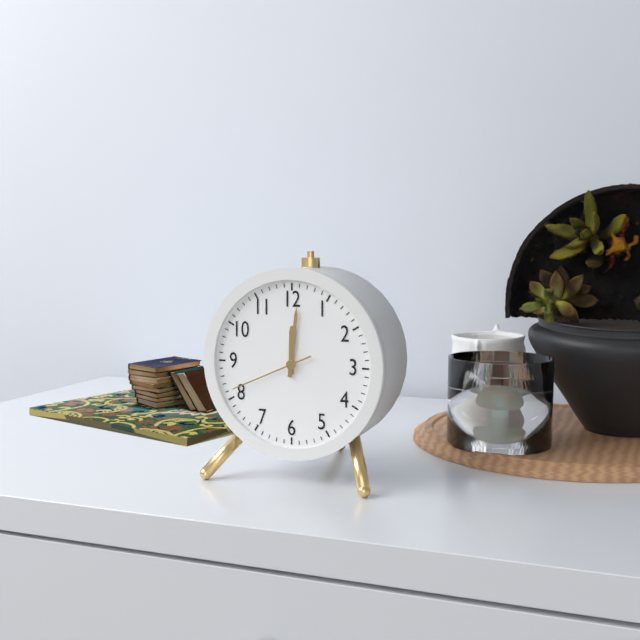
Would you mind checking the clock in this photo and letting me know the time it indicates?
12:01:41
